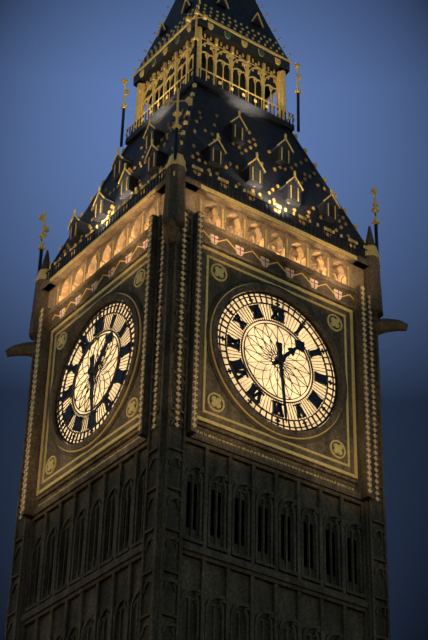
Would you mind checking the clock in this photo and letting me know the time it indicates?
1:29
